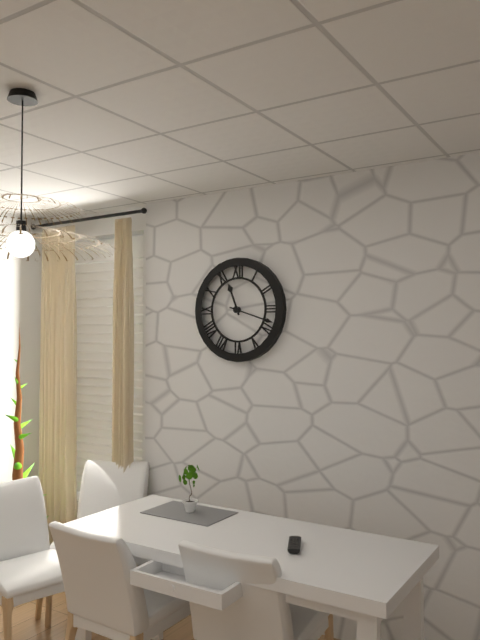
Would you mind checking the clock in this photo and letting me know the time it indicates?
11:18
